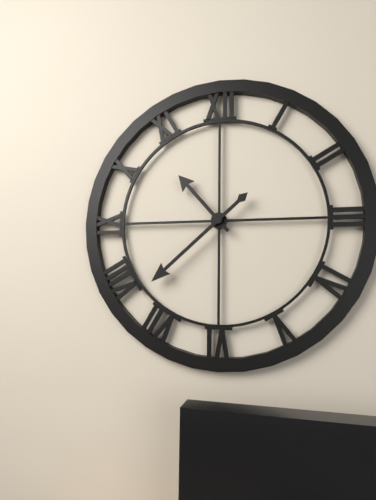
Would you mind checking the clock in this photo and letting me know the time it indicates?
10:38
